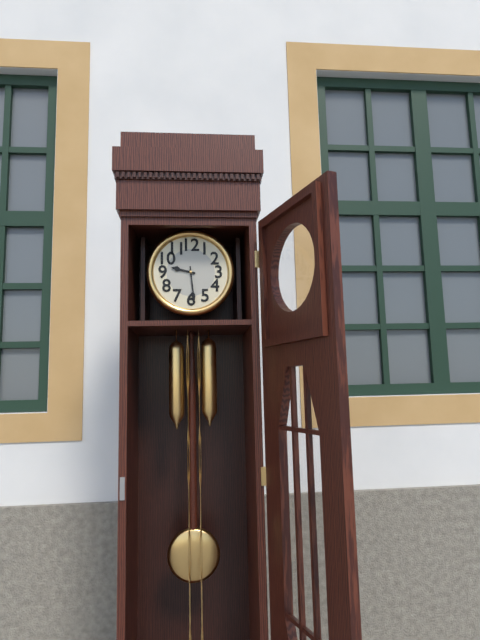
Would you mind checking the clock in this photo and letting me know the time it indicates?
9:29
